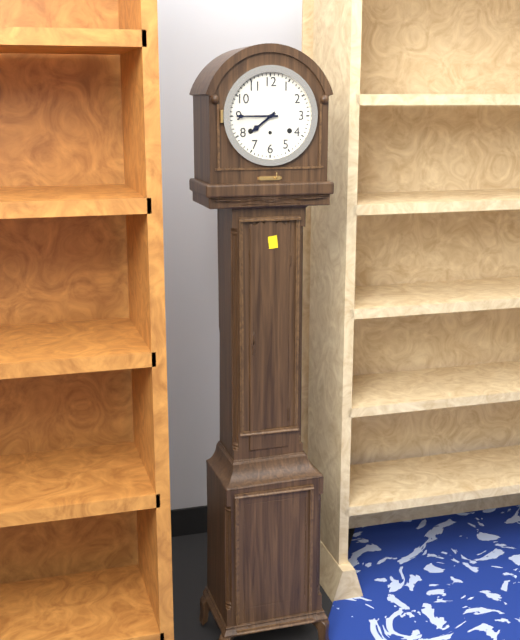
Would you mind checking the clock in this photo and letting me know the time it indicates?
7:45
